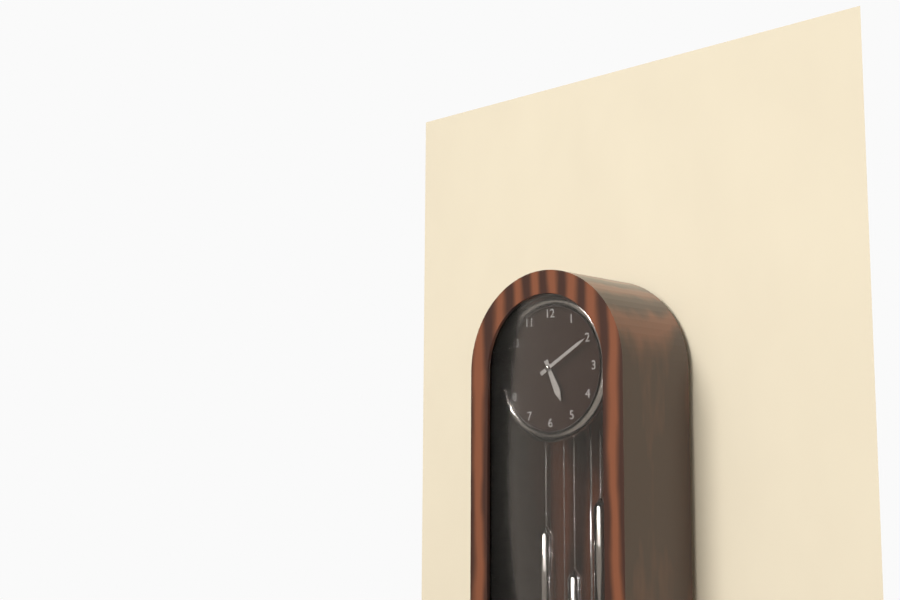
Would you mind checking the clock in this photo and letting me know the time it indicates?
5:10
